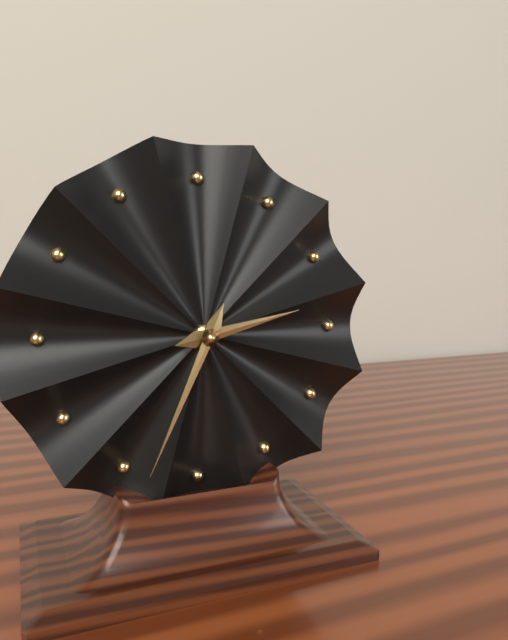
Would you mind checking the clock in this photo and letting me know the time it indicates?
2:34
